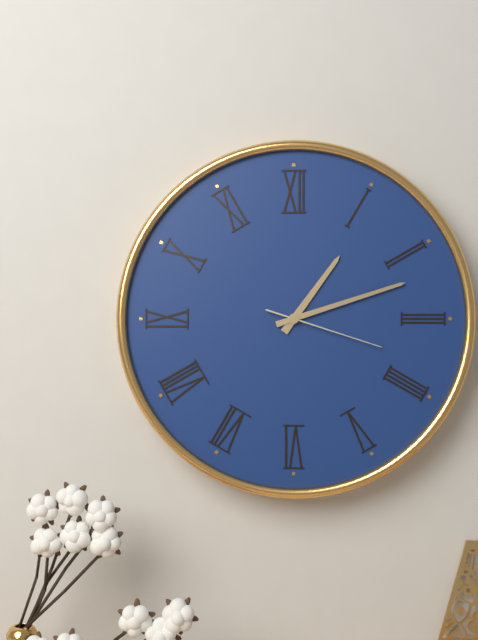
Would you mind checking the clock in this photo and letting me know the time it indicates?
1:12:18
